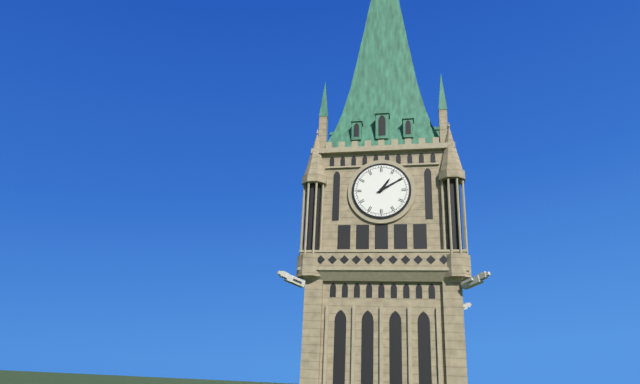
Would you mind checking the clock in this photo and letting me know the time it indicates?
1:10
